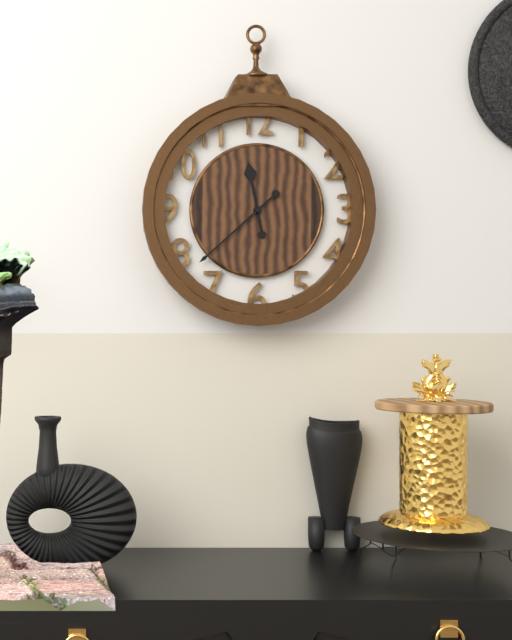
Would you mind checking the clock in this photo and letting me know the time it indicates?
11:38
